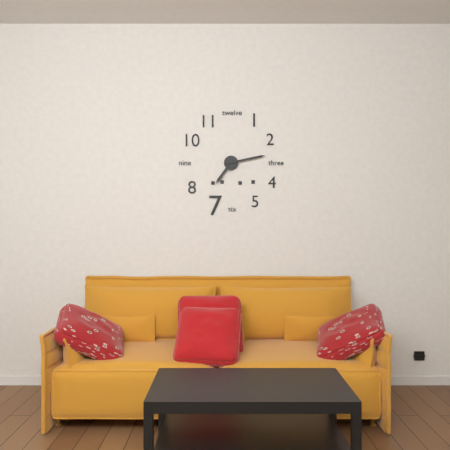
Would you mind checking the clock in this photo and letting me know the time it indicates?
7:13
